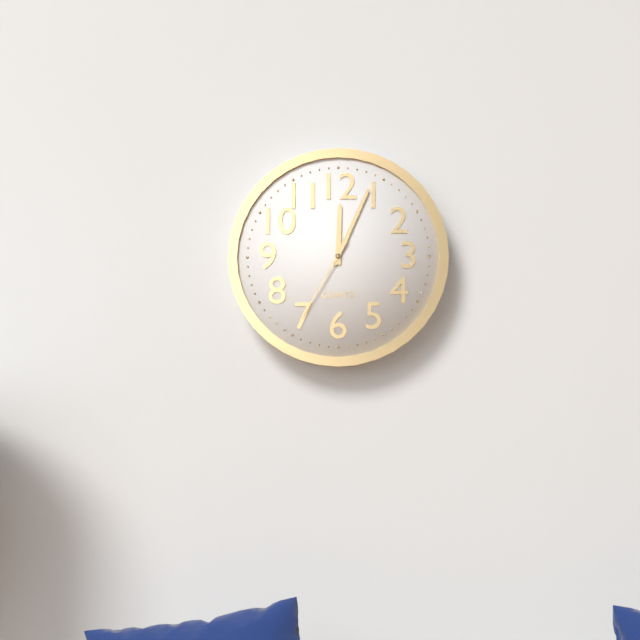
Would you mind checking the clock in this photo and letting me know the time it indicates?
12:04:35
